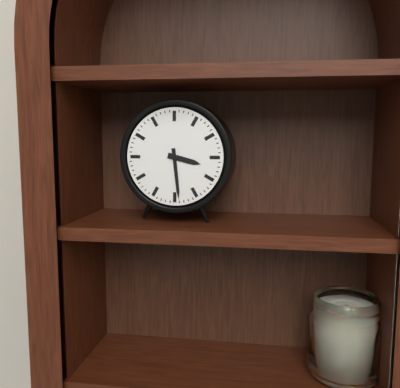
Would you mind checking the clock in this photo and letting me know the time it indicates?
3:29
